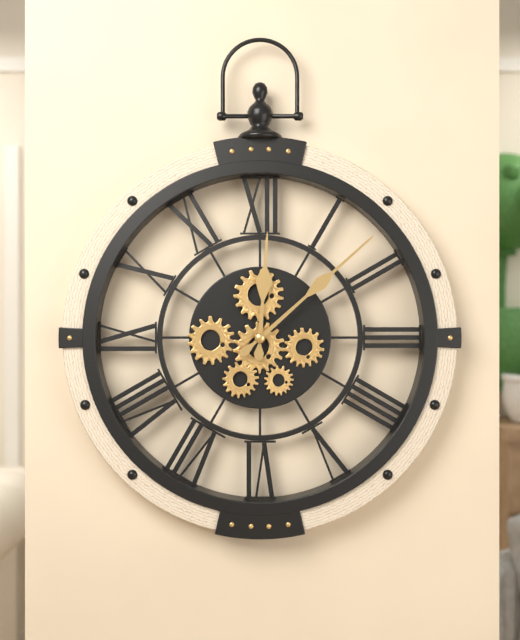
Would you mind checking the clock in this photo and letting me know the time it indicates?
12:08
